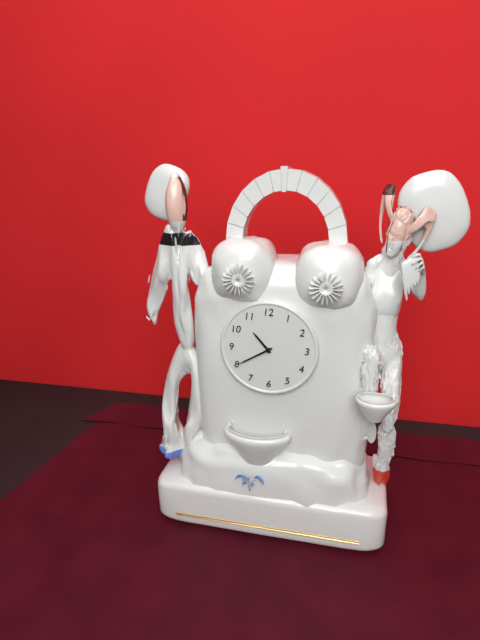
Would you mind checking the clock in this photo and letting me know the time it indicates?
10:40
